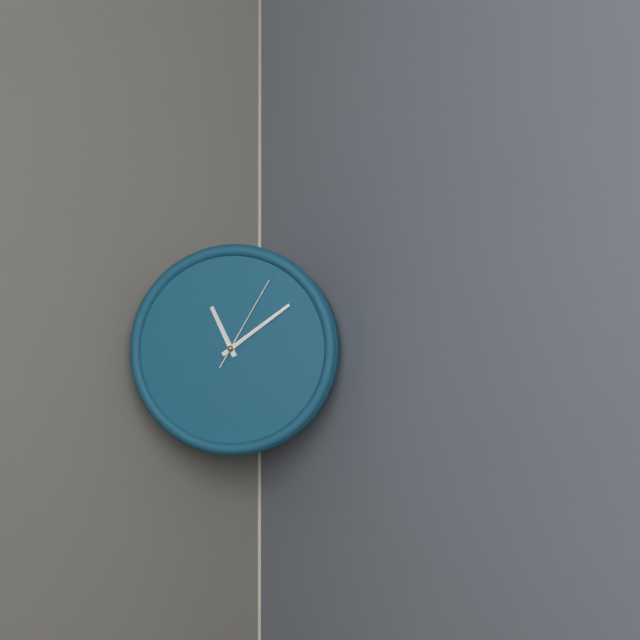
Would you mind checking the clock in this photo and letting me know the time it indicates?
11:09:05
